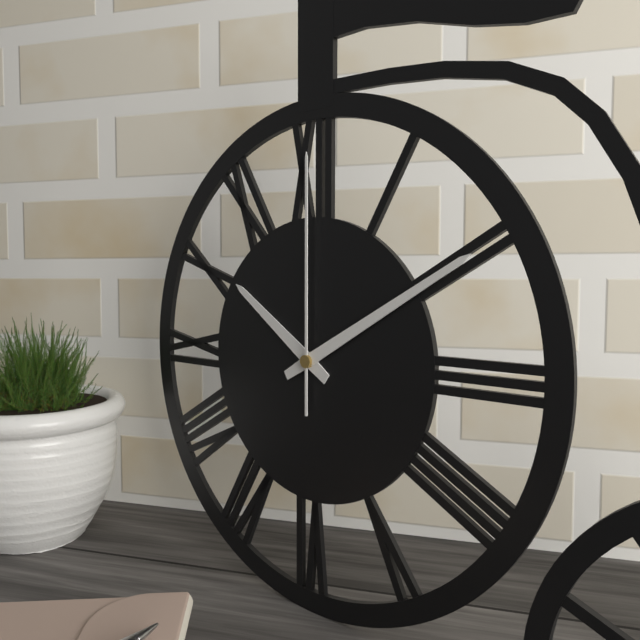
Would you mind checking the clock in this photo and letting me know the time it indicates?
10:10:00
